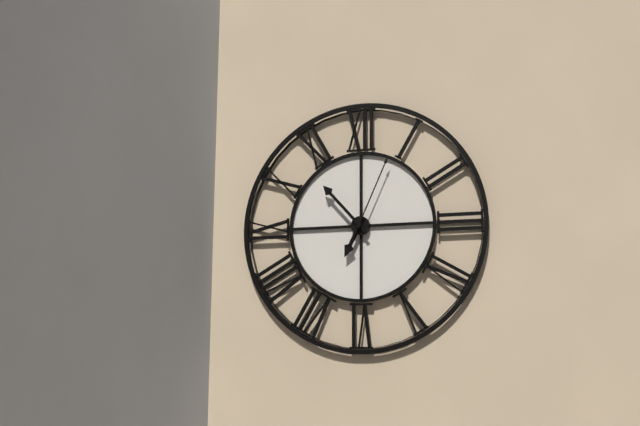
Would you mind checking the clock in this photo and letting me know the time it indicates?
6:53:04
